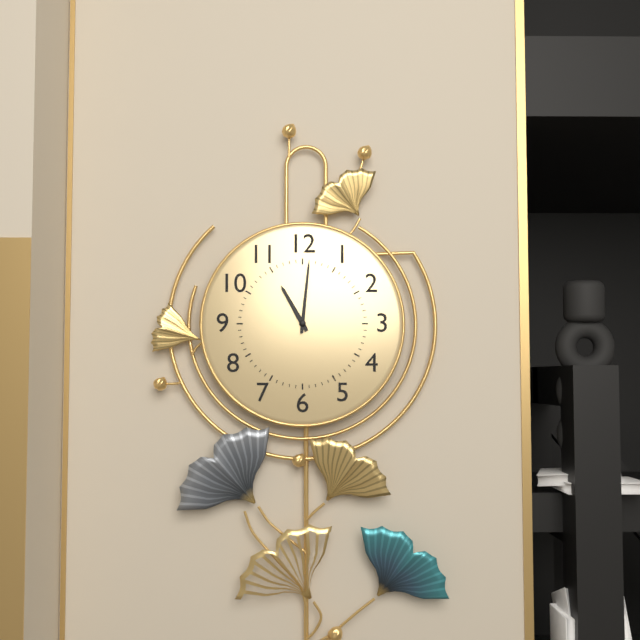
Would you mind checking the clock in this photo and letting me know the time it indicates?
11:01
